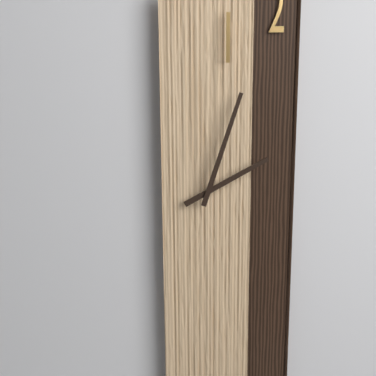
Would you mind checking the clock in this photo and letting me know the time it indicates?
2:03
